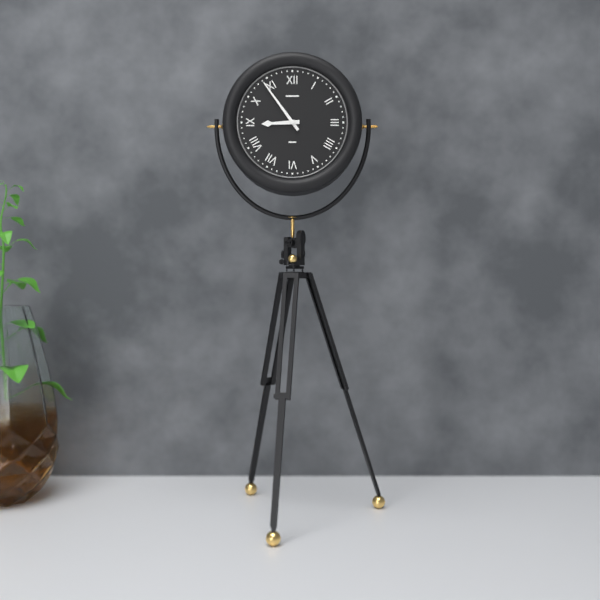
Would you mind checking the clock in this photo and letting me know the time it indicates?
8:54
